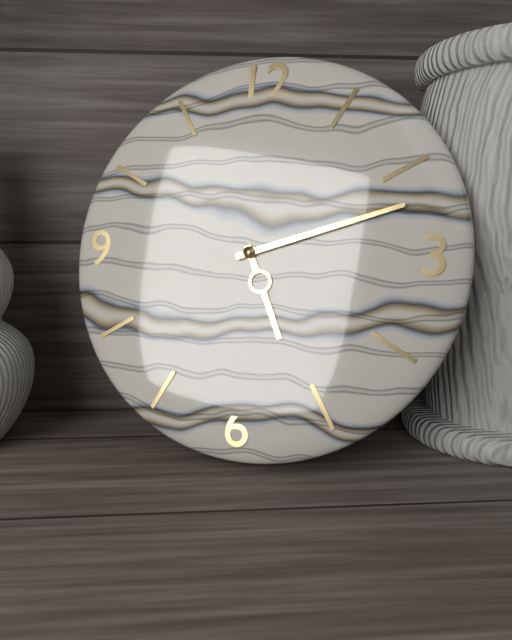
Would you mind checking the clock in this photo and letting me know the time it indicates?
5:12
